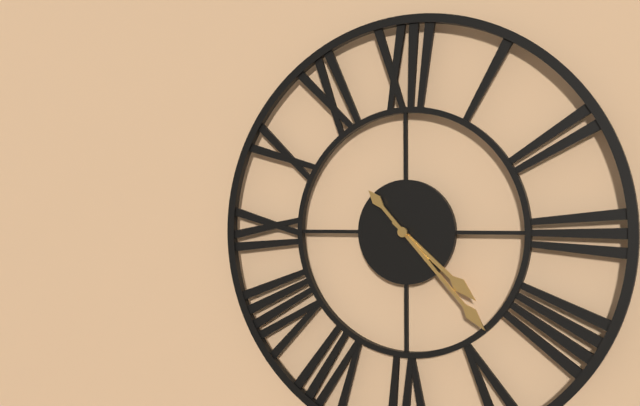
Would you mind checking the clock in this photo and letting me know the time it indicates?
4:23
